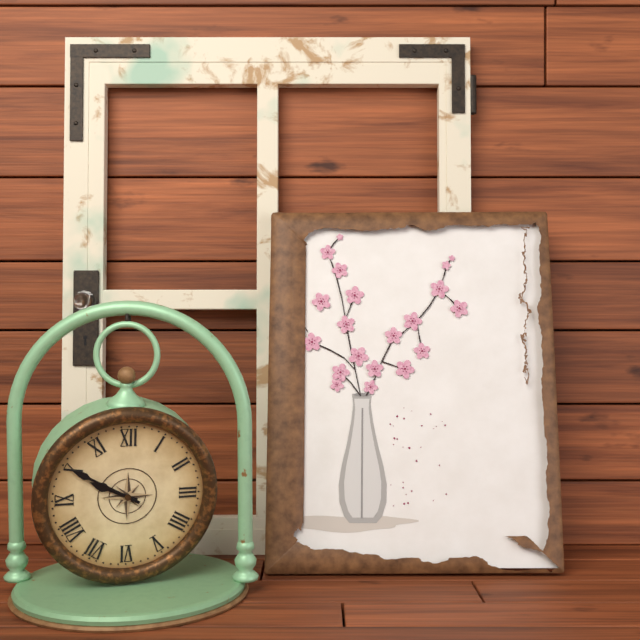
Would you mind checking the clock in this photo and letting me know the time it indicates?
9:50
